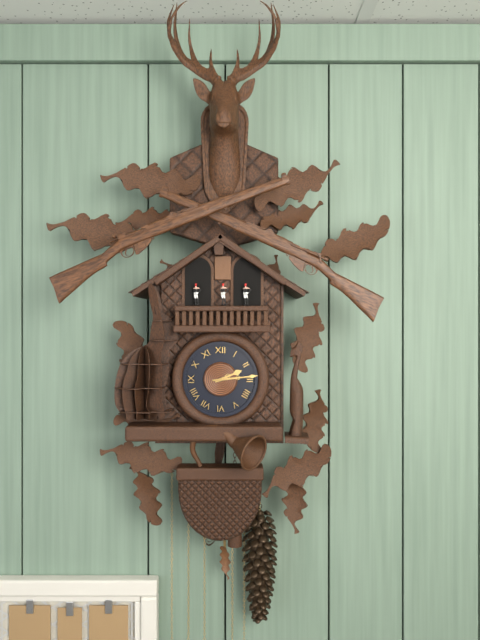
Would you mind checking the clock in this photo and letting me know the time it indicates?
2:14
